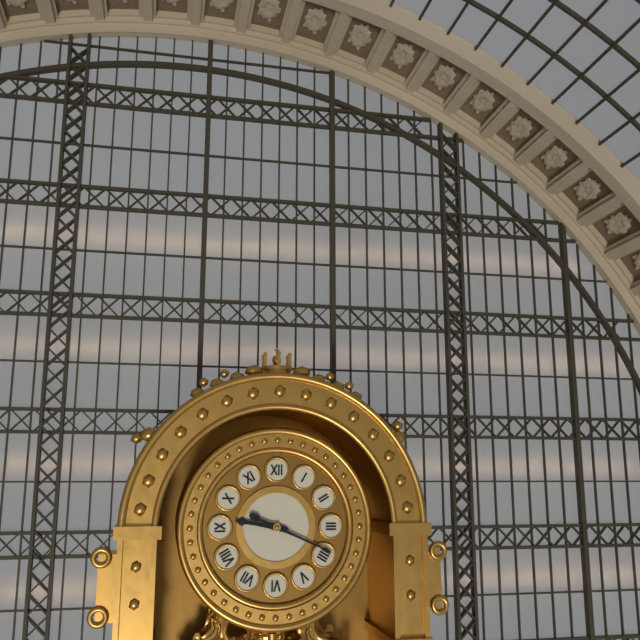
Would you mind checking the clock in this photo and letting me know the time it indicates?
9:19
